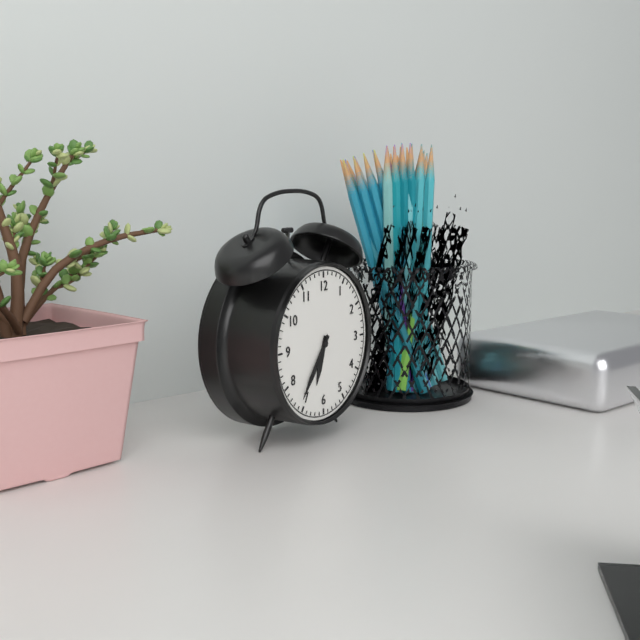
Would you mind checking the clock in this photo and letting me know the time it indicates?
6:36
